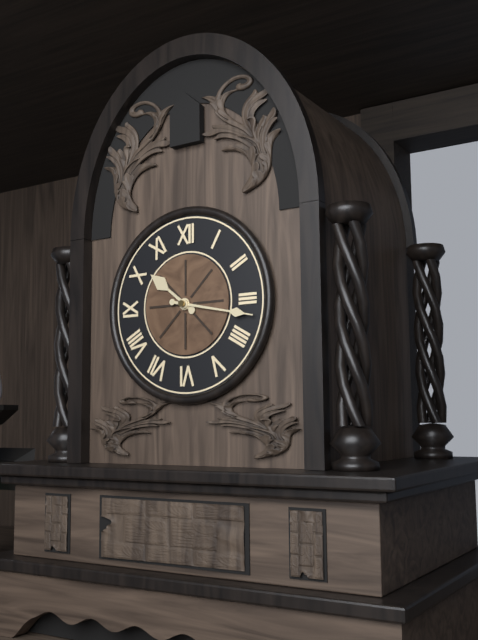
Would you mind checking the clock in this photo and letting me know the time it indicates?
10:17
